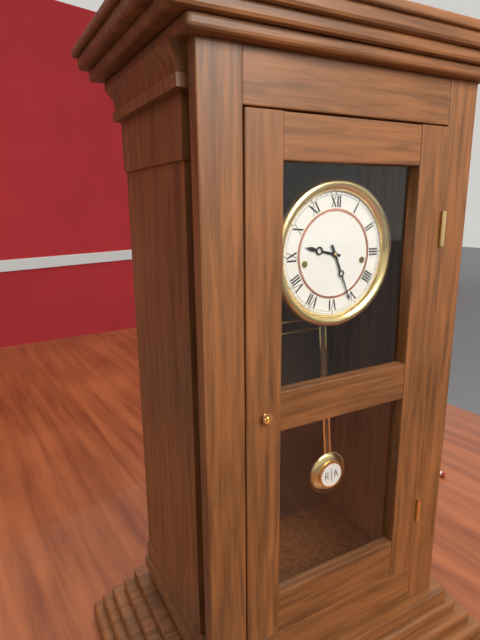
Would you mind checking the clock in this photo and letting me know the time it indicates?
9:26
